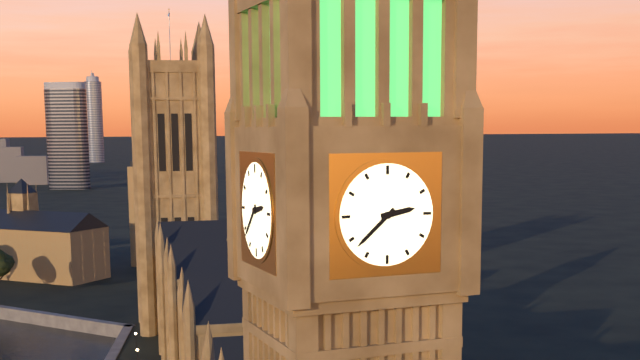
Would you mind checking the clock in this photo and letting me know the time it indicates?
2:38
